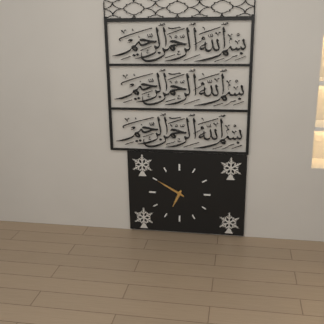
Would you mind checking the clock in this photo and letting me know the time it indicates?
6:50
